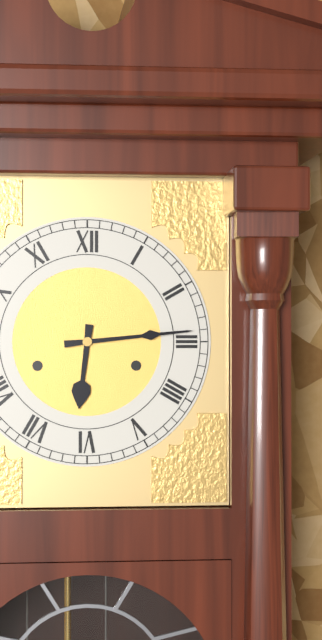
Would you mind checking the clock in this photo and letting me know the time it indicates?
6:14
